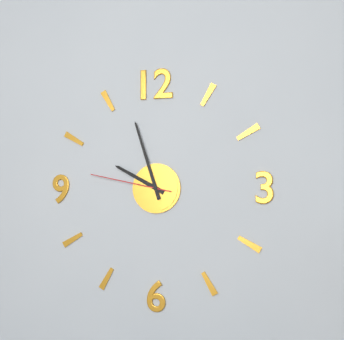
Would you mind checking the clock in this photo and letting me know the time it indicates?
9:57:47
